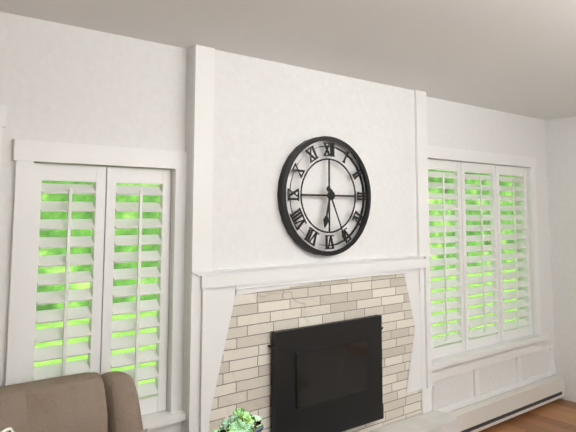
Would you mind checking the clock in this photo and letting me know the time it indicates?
6:26
